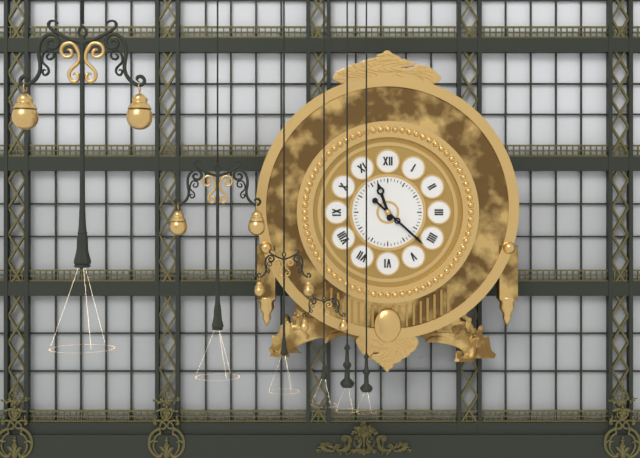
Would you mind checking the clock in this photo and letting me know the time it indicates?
11:22
